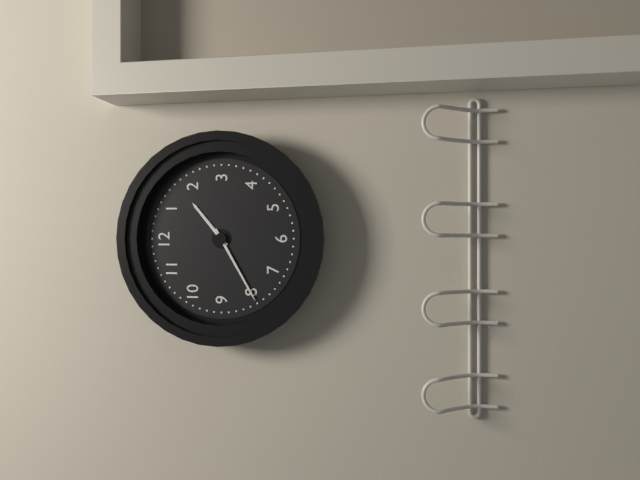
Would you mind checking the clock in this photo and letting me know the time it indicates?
1:40
